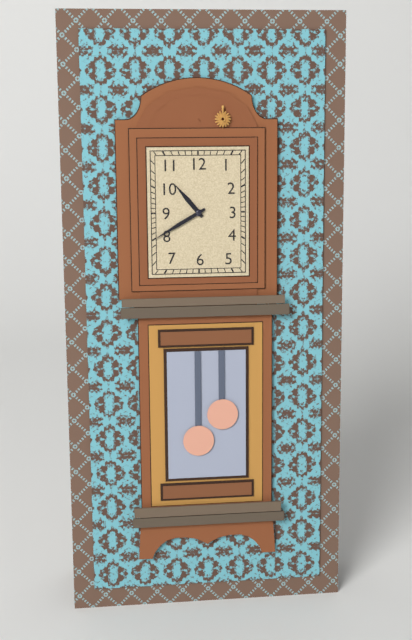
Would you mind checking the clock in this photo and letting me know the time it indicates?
10:40
